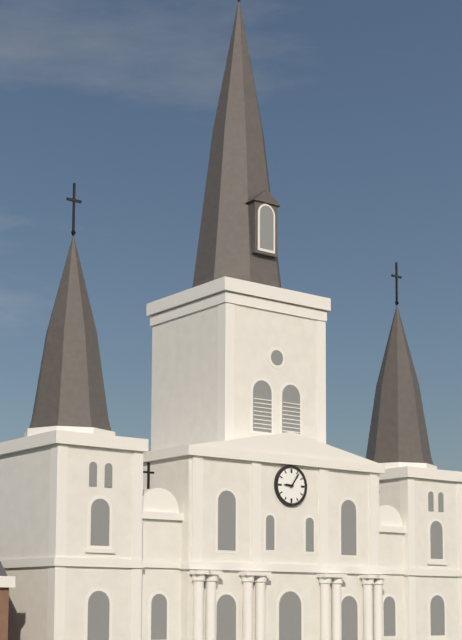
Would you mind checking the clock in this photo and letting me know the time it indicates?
9:06
